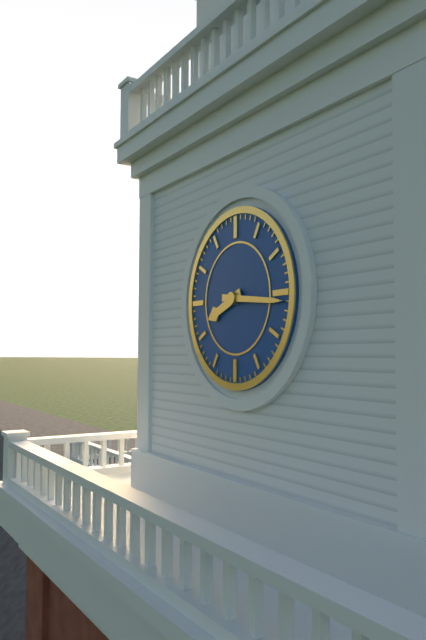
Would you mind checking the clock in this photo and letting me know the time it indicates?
8:16
